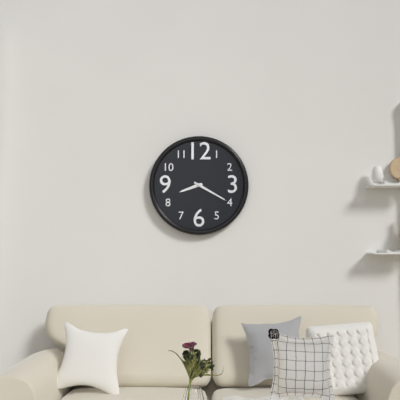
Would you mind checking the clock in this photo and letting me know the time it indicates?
8:20
